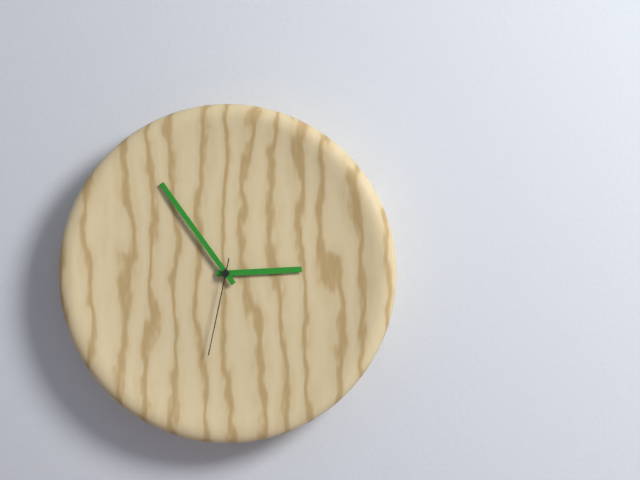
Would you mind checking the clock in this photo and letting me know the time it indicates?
2:54:32
